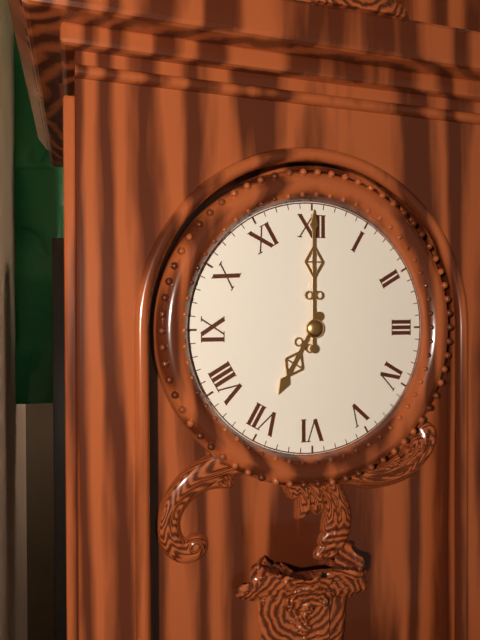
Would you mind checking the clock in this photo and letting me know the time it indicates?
7:00
